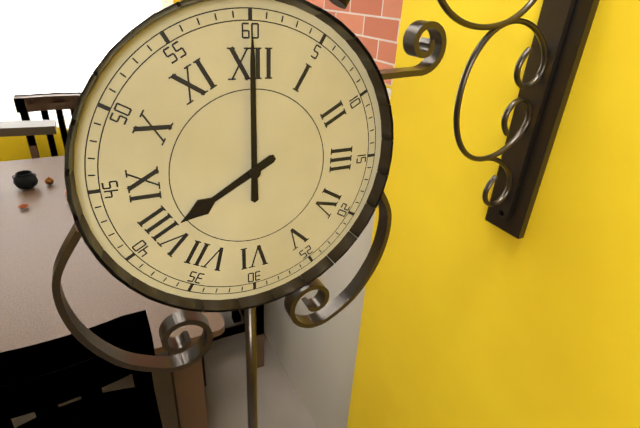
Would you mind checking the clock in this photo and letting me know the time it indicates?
8:00
